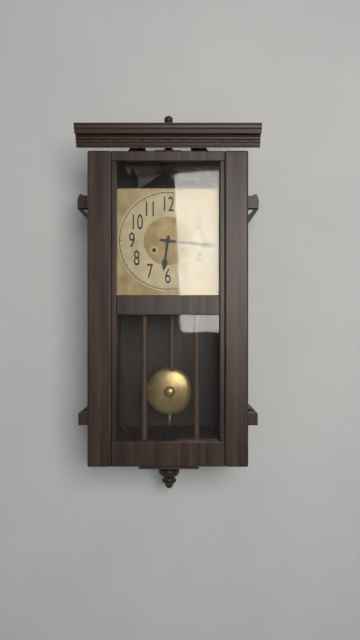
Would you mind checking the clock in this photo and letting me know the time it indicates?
6:16
